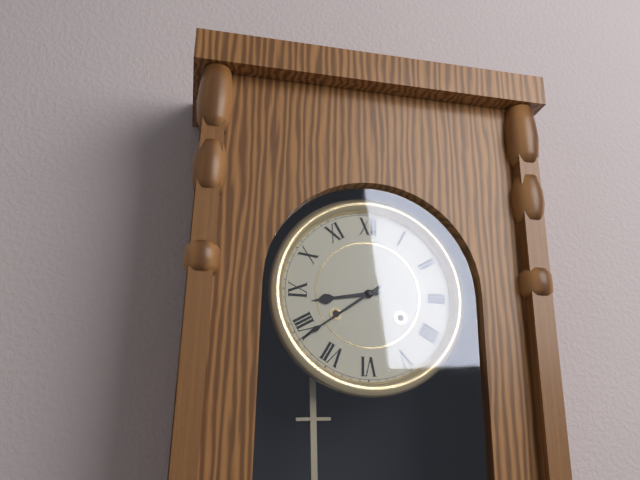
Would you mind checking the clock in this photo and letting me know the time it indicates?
8:39
